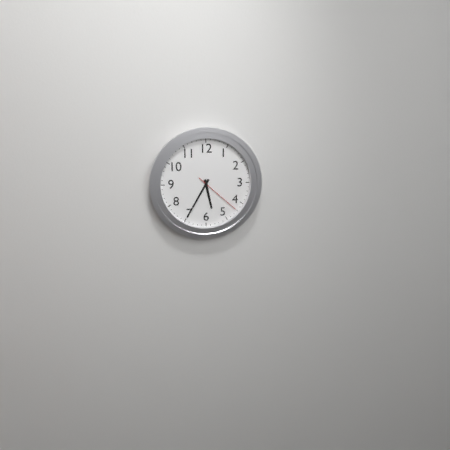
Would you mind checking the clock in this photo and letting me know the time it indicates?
5:35
